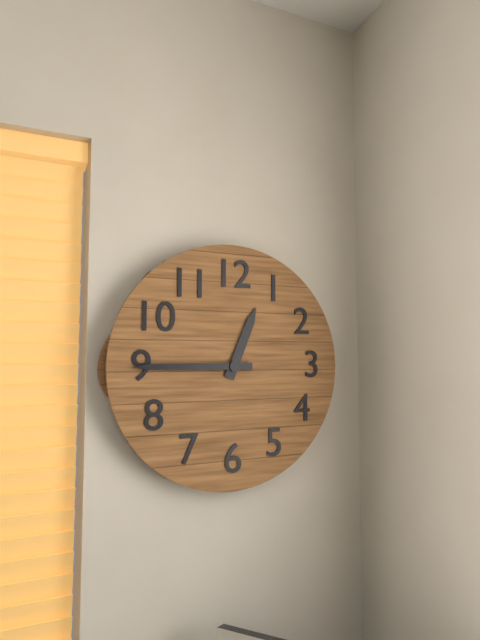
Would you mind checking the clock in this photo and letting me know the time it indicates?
12:45
